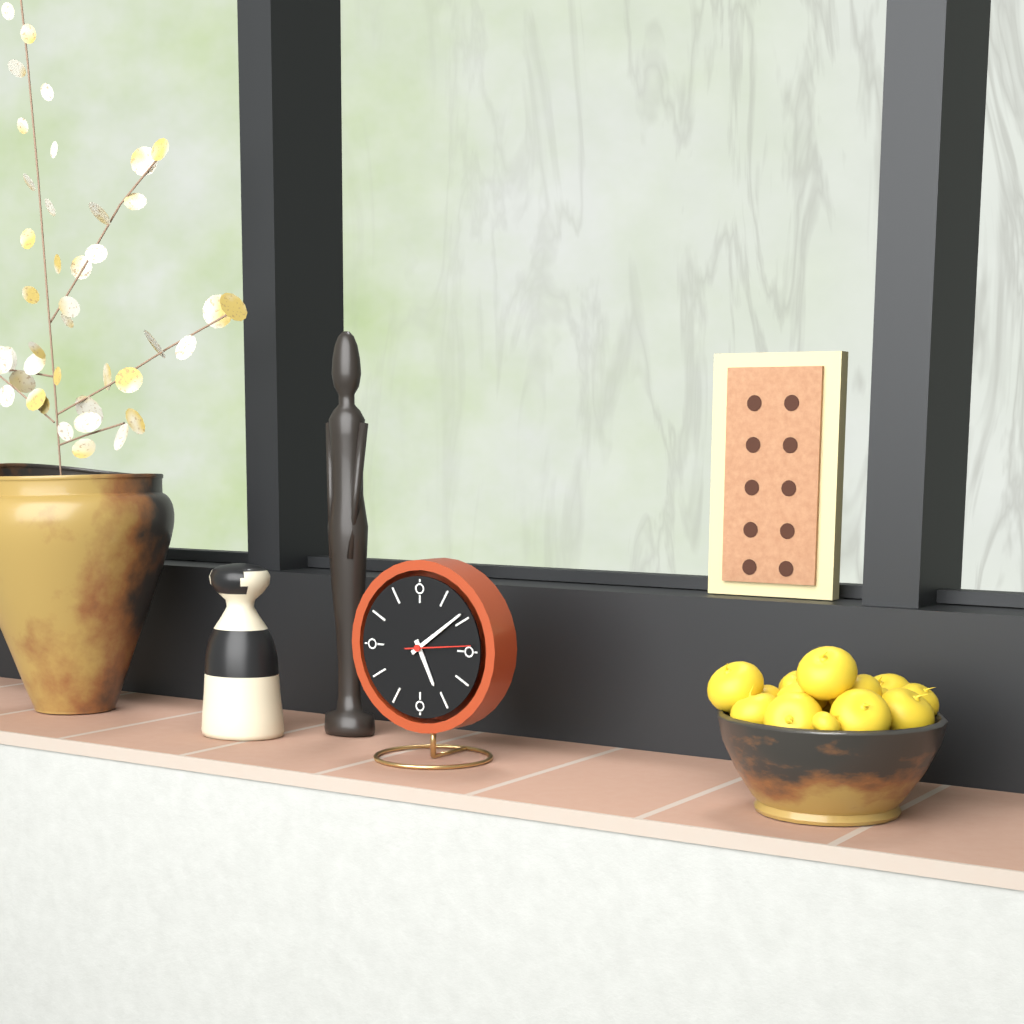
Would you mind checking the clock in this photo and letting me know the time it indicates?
5:09:14
